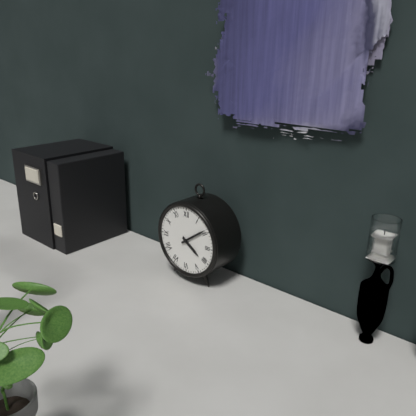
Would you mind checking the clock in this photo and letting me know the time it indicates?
4:09
